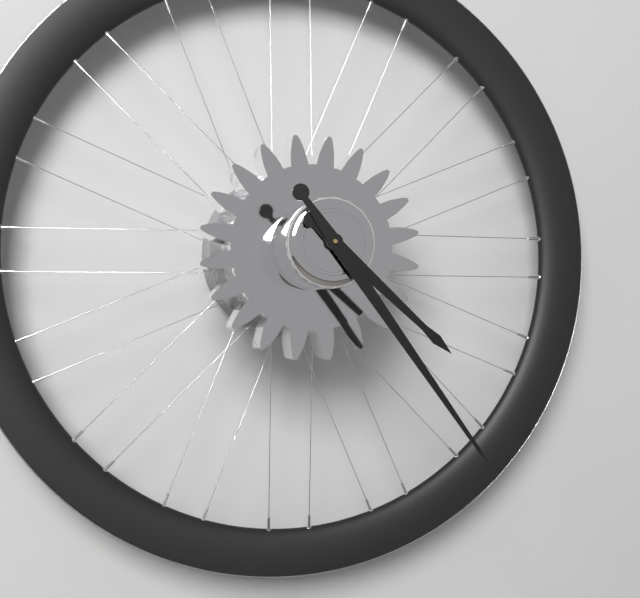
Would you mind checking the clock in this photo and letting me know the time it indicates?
4:24
